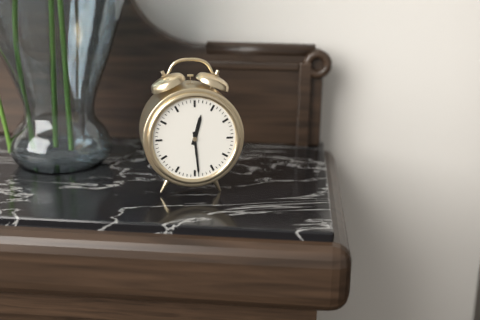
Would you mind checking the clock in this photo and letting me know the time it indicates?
12:29
